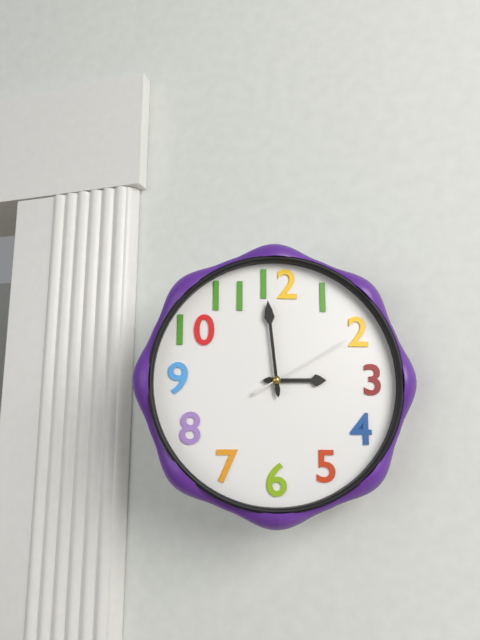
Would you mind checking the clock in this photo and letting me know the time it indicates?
2:59:10
